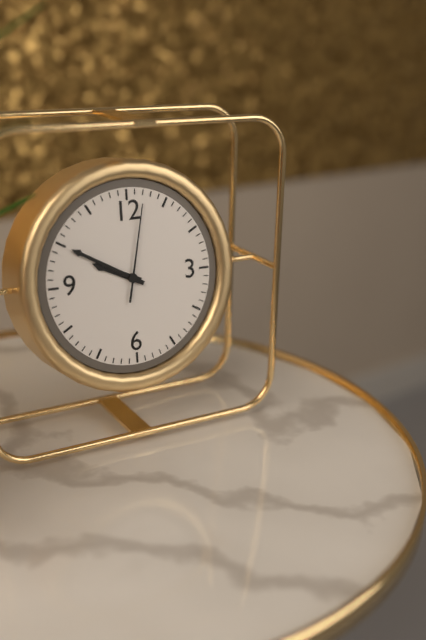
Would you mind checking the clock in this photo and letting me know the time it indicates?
9:50:02
